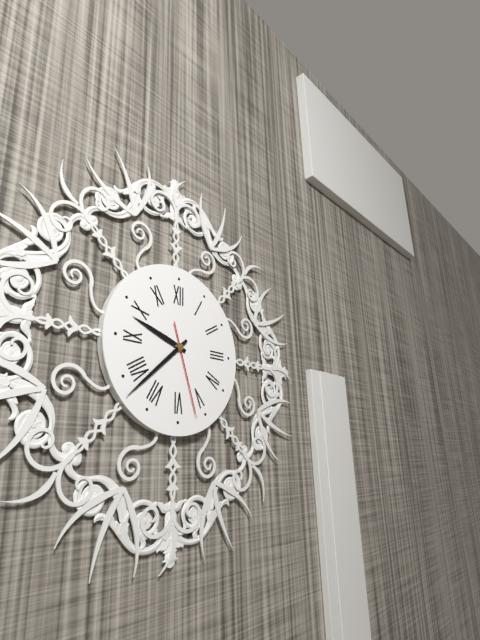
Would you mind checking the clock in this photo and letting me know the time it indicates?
9:38:27
